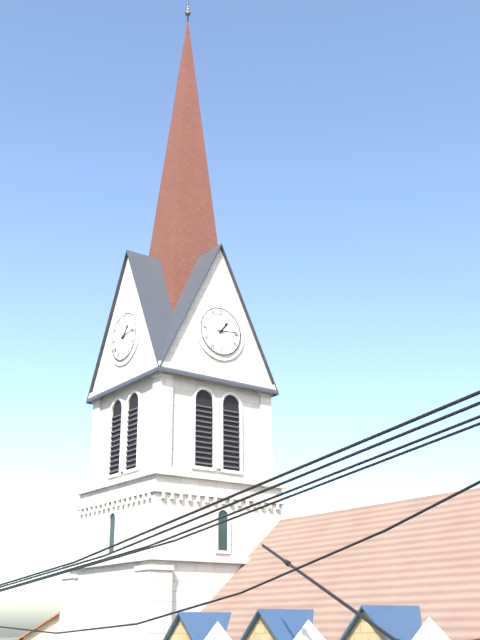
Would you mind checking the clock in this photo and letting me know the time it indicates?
1:14
